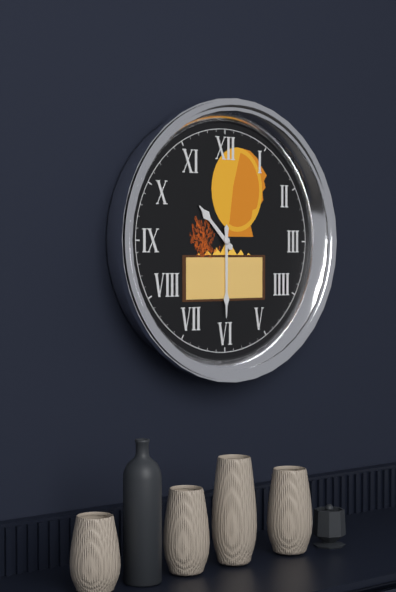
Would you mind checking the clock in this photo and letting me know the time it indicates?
10:30
